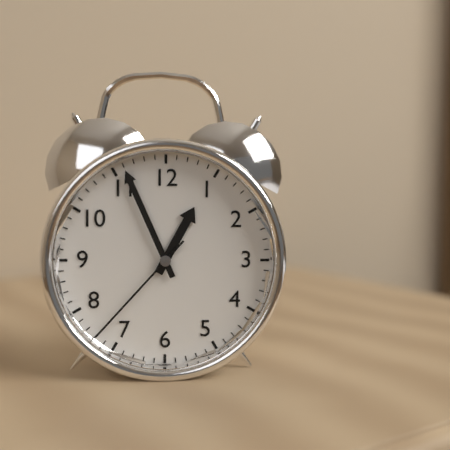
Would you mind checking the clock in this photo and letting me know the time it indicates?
12:56:37
